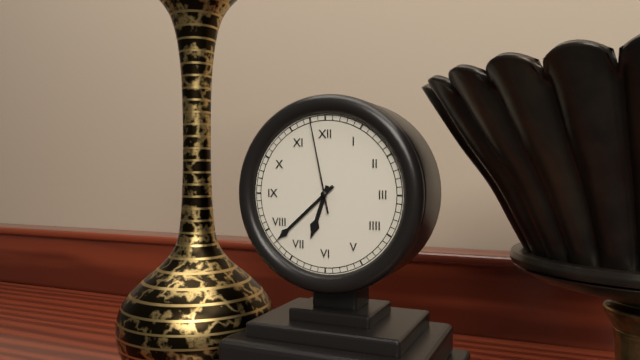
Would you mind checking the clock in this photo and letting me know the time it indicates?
6:38:58
